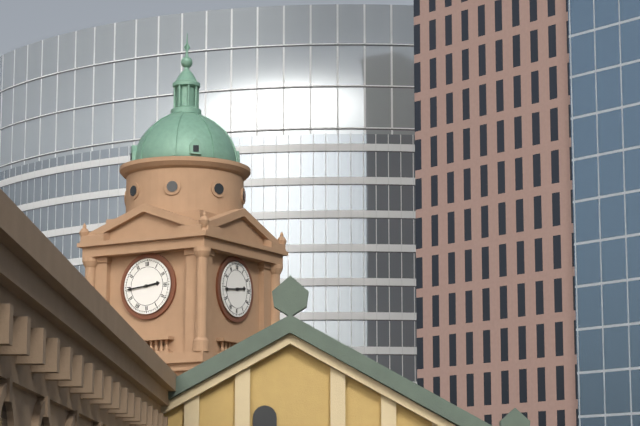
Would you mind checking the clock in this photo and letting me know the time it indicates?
2:44
